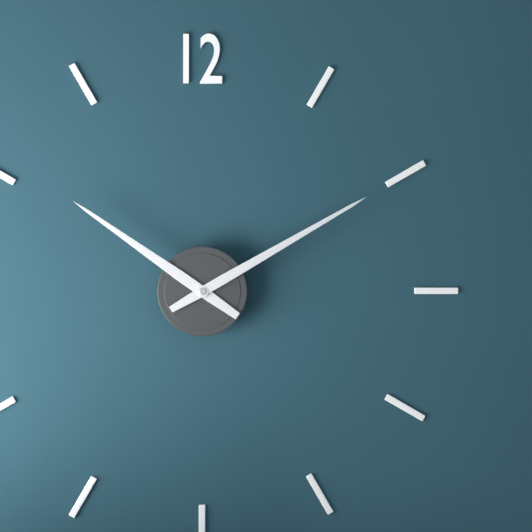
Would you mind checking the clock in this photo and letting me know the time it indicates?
10:10
